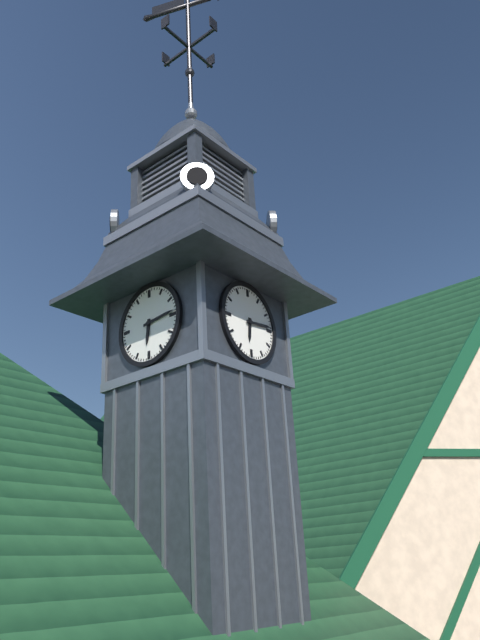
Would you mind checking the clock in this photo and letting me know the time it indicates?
6:14
